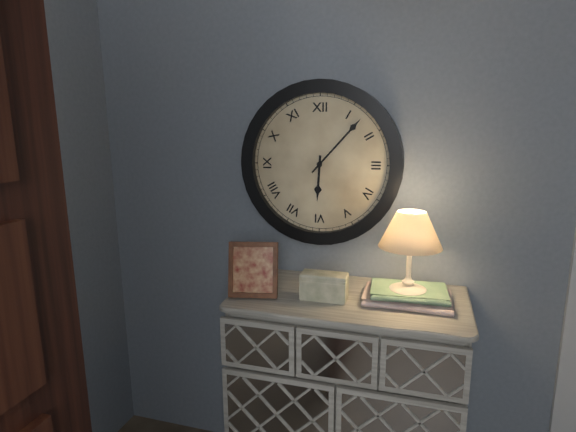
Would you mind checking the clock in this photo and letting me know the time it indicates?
6:07
